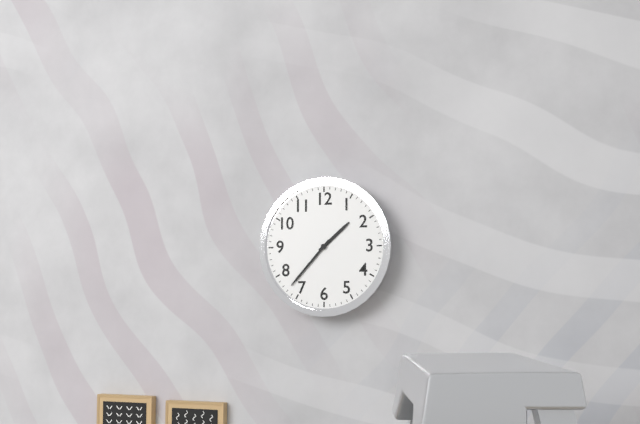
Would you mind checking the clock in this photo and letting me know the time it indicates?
1:37
